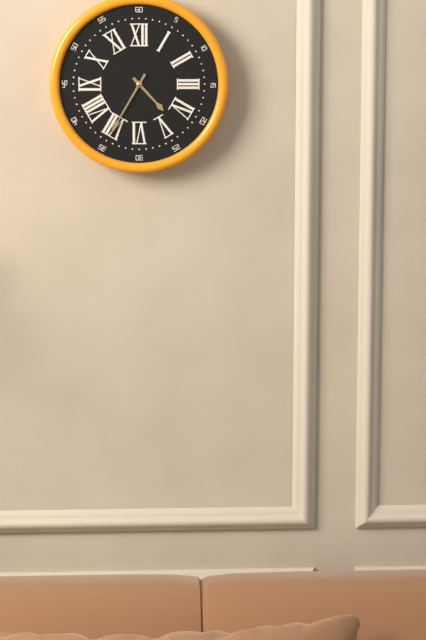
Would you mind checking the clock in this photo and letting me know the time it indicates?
4:35
